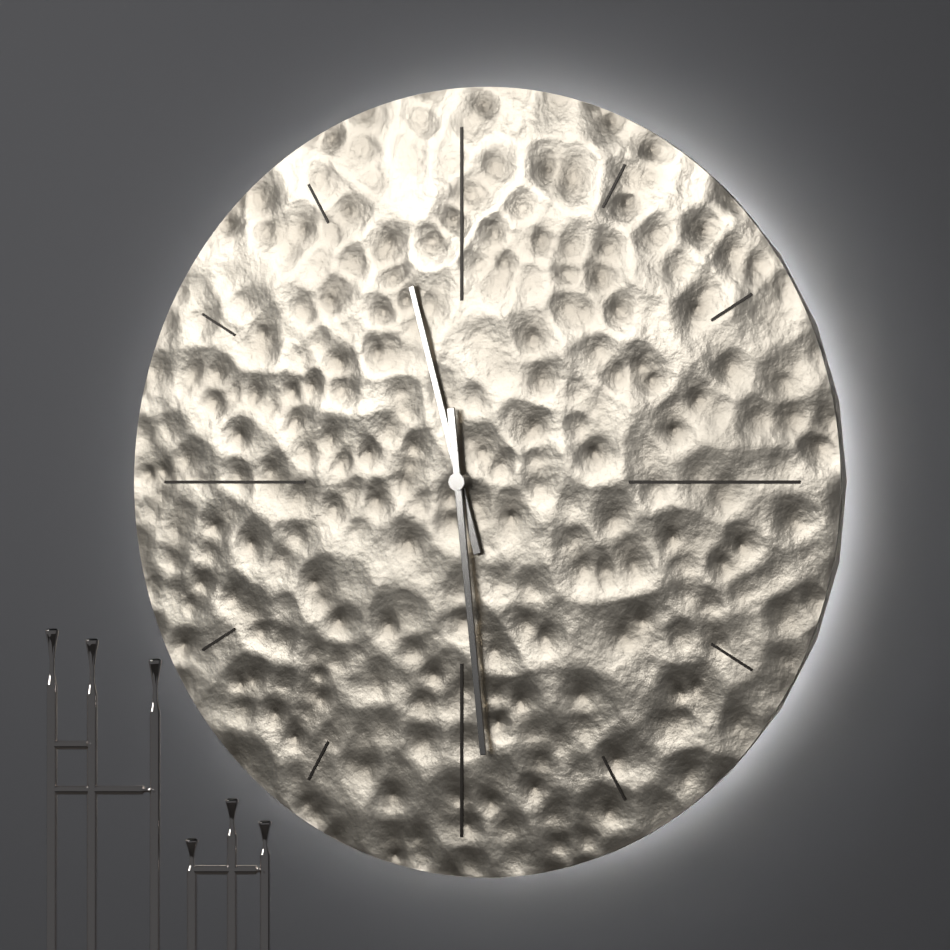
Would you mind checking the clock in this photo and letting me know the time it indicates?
11:29
